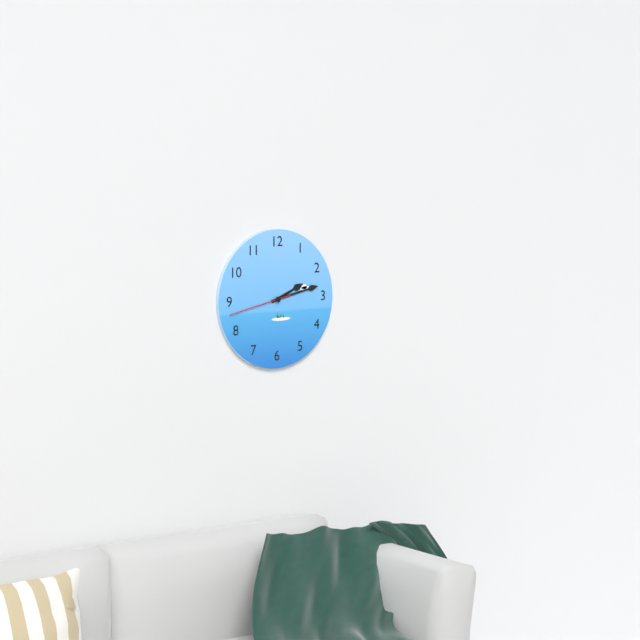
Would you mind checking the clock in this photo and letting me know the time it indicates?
2:13:43
